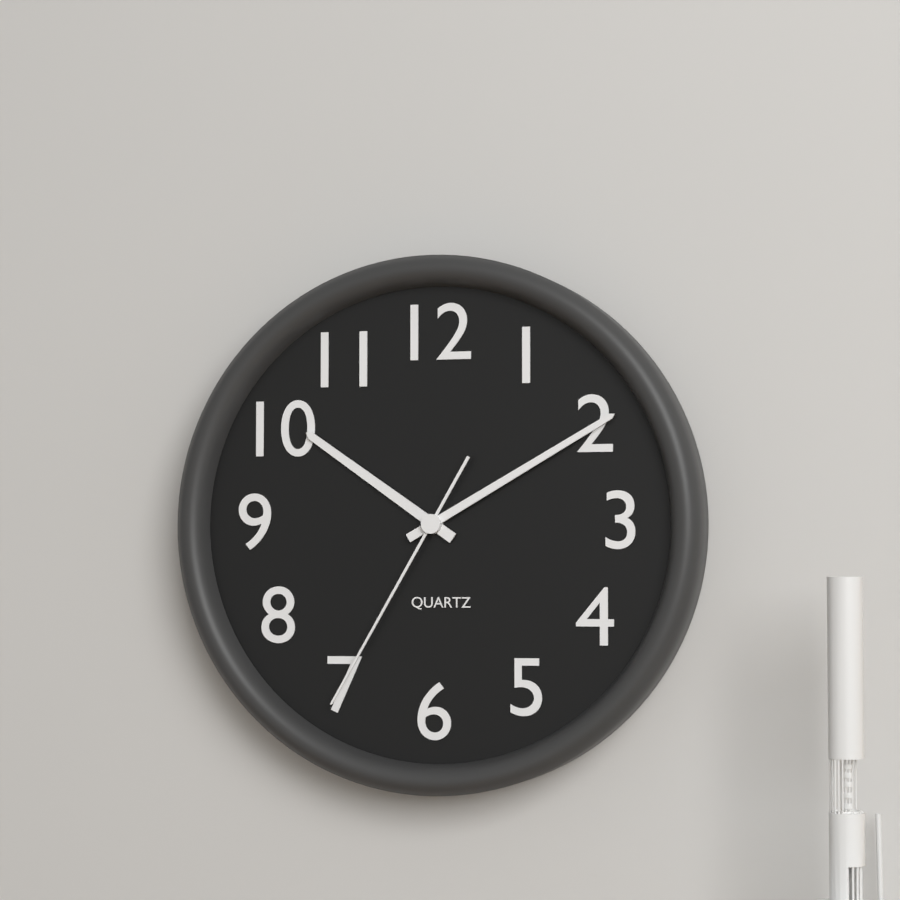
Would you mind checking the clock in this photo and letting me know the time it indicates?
10:10:35
